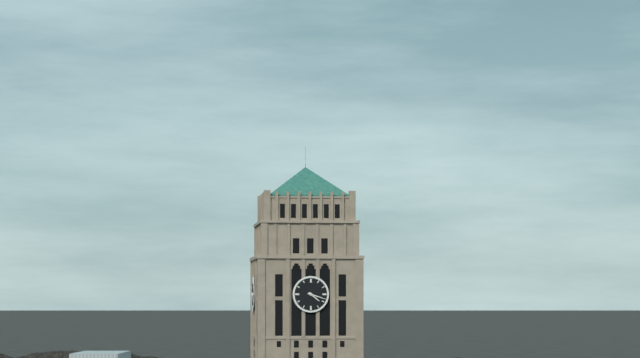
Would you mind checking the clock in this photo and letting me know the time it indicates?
4:18
